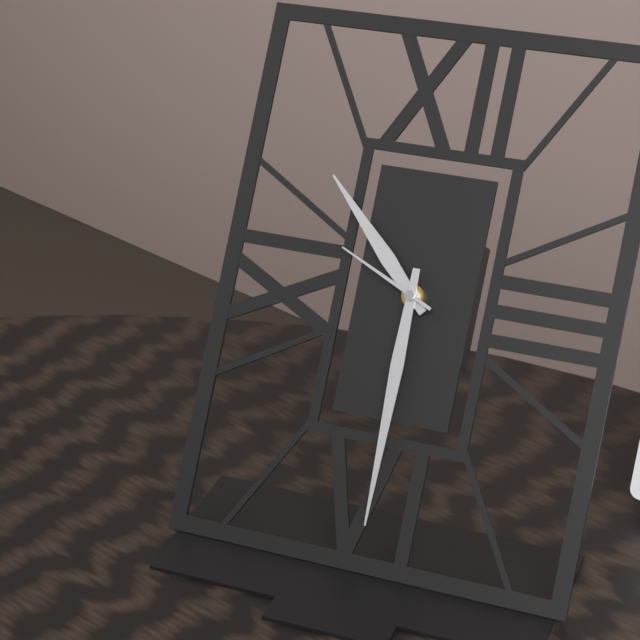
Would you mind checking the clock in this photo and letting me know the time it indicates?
10:30:49
